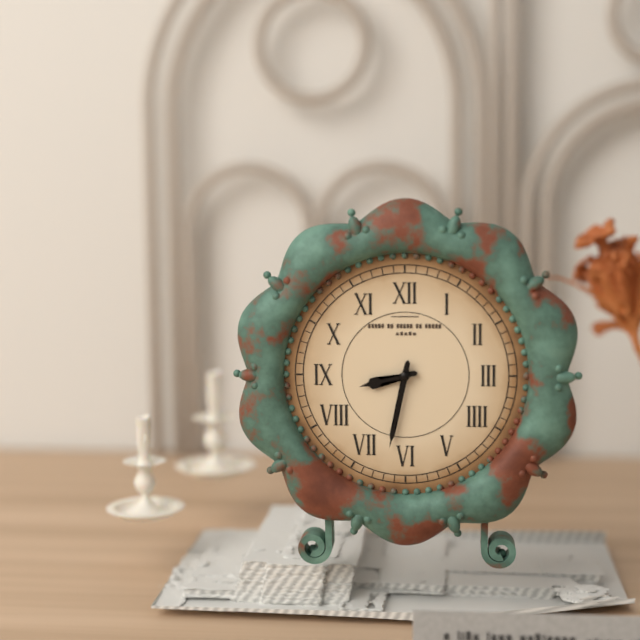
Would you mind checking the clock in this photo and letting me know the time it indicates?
8:32
